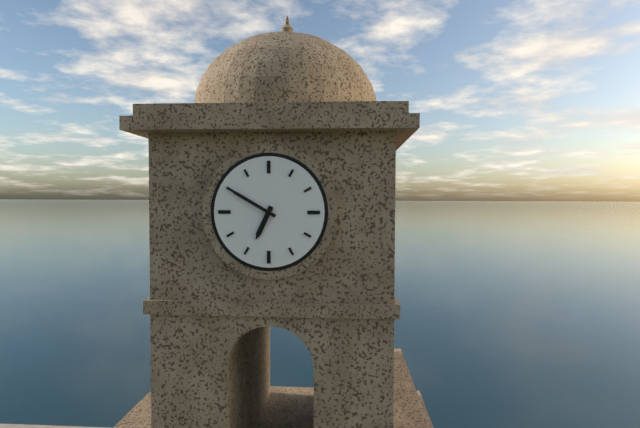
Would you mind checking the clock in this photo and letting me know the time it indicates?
6:50
